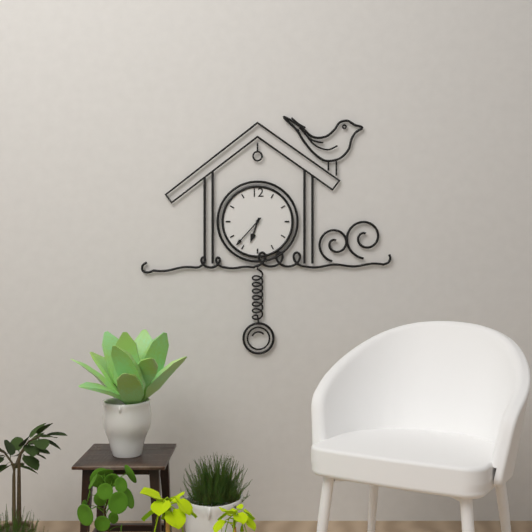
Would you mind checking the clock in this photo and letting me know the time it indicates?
6:37
